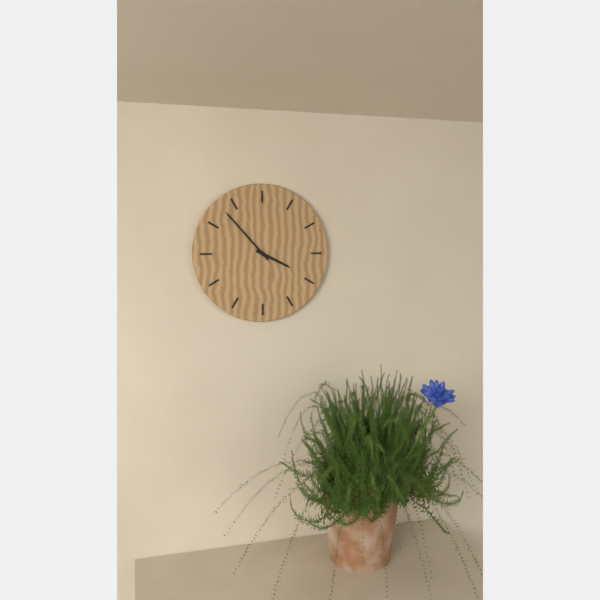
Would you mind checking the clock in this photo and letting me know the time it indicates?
3:53
